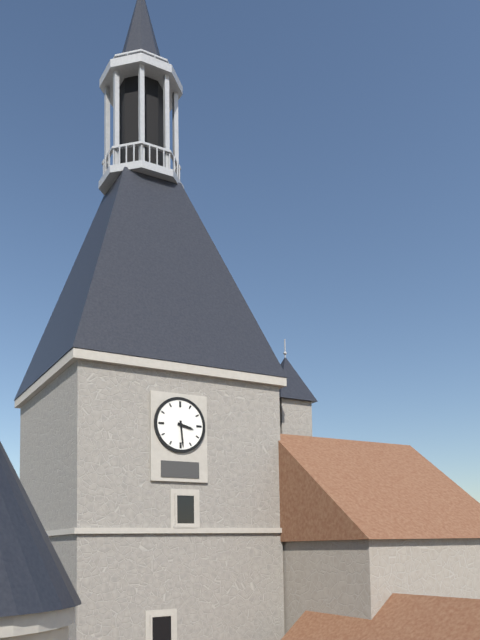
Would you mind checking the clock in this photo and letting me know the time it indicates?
3:29
